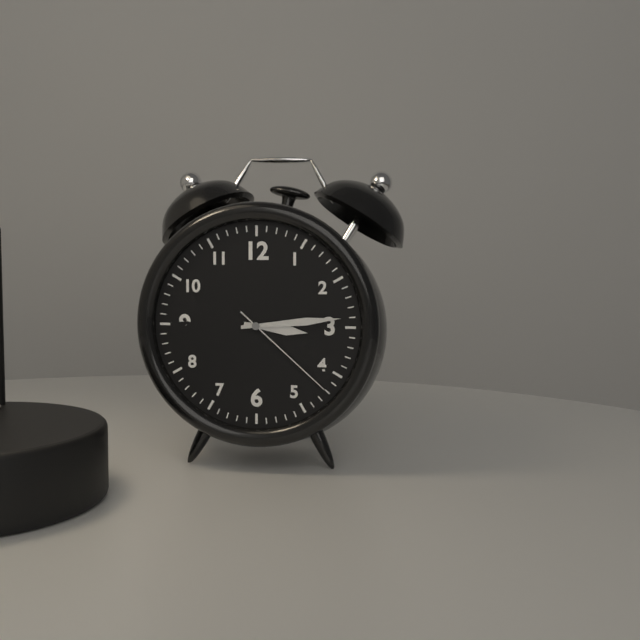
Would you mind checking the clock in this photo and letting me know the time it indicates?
3:14:22
